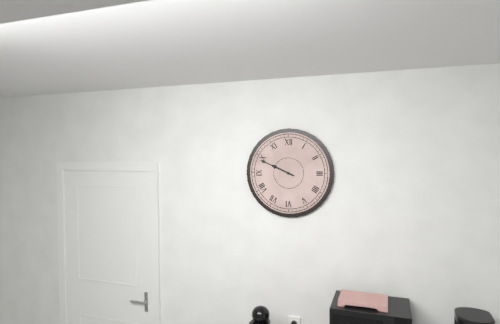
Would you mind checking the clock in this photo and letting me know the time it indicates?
9:49
